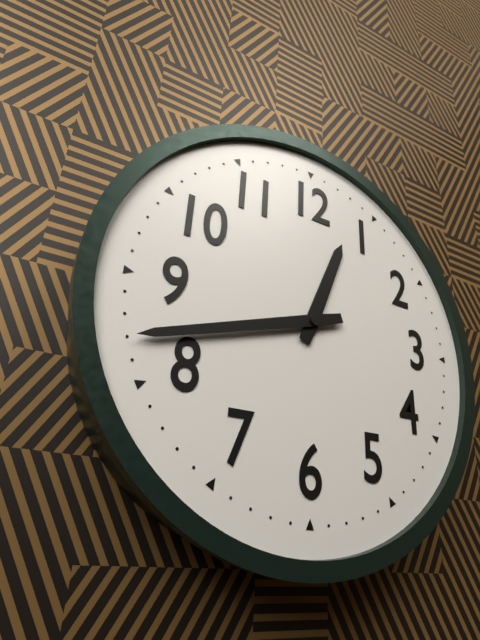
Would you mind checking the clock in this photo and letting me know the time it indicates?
12:42
